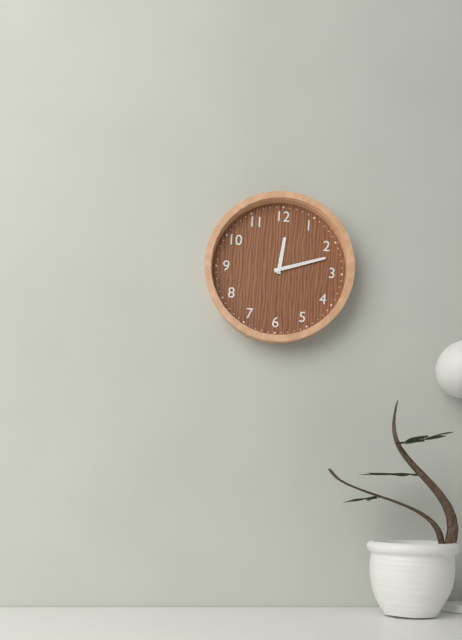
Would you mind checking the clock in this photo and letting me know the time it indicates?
12:12
